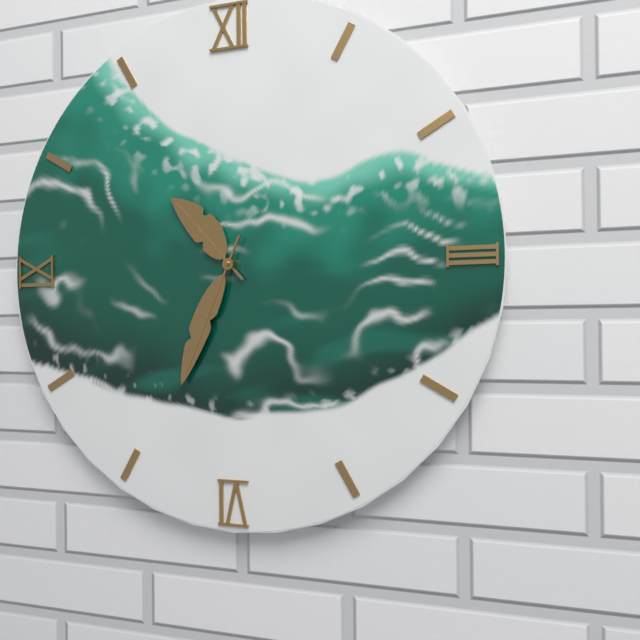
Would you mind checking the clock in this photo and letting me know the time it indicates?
10:34
